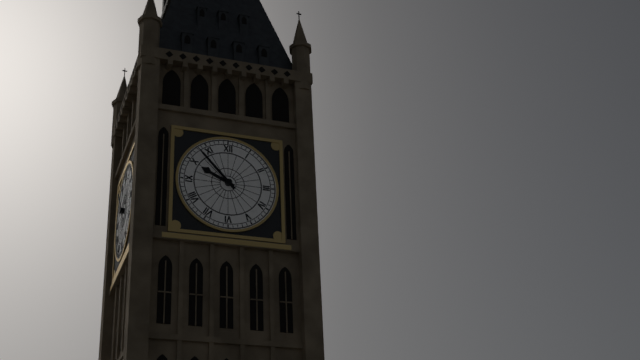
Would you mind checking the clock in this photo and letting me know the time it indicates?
9:53
